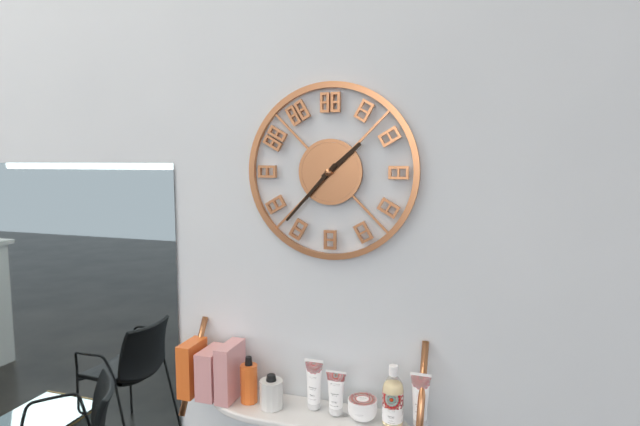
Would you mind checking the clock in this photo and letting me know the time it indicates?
1:37
